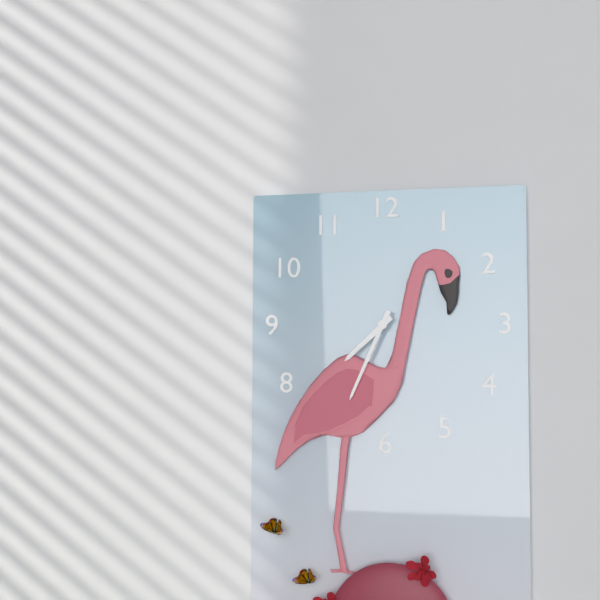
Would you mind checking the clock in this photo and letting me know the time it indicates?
7:34
